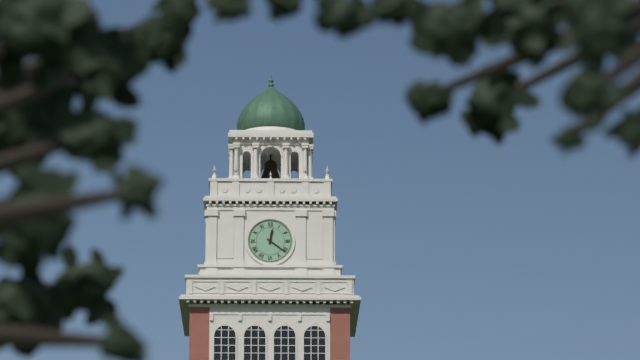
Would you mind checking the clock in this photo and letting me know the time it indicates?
12:21
